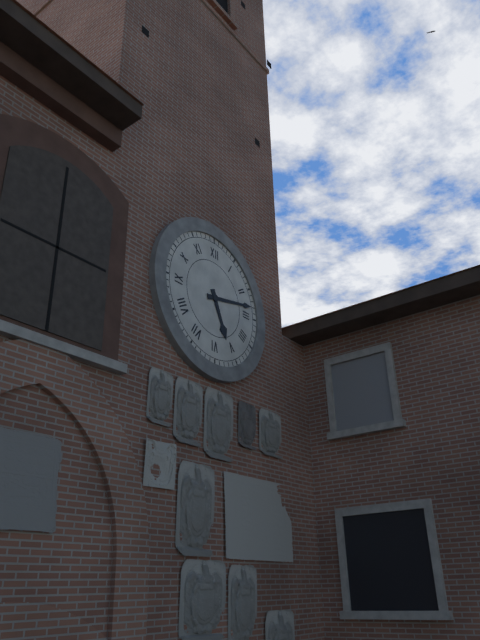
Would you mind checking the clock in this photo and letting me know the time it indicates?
5:13
